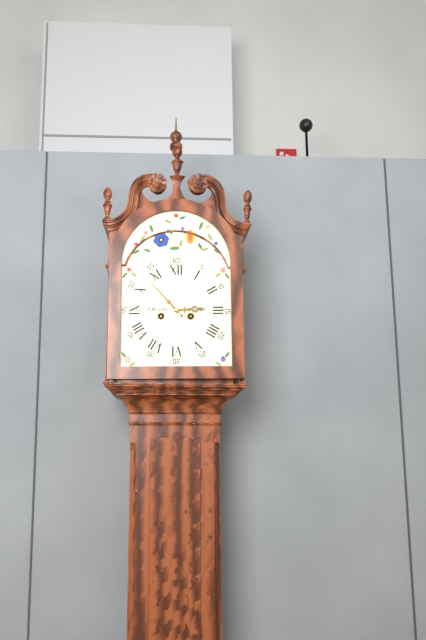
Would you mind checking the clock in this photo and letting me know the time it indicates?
2:53
